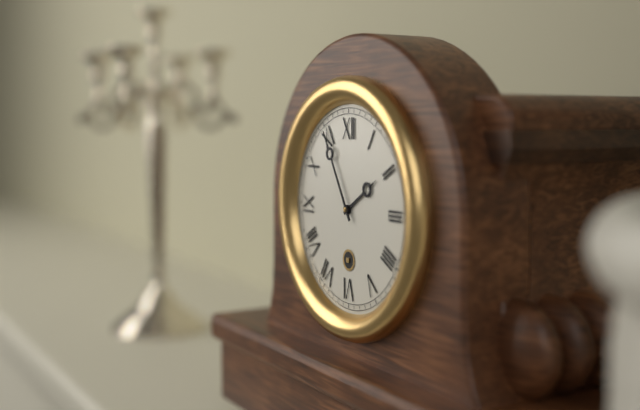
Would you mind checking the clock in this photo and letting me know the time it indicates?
1:55
